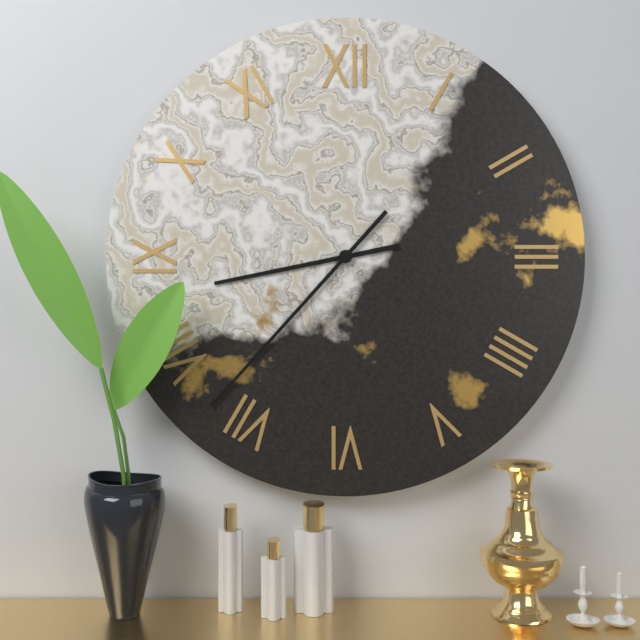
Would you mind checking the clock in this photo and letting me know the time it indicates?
8:37
